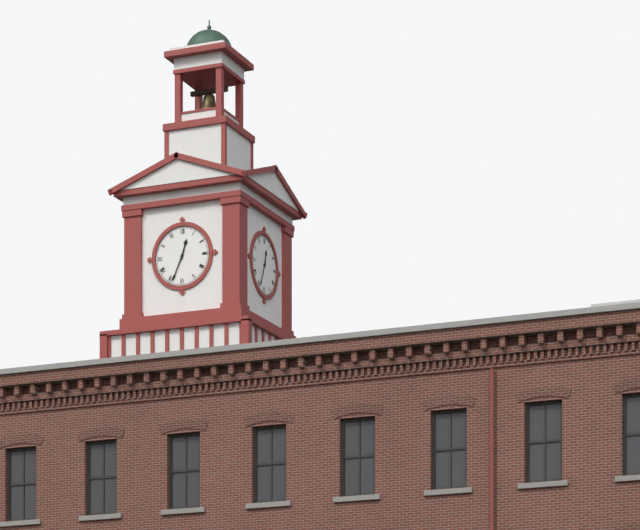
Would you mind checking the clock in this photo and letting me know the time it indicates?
12:34
